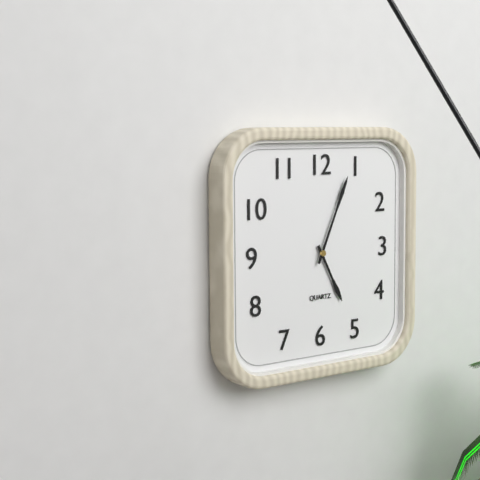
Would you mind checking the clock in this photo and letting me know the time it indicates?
5:04
